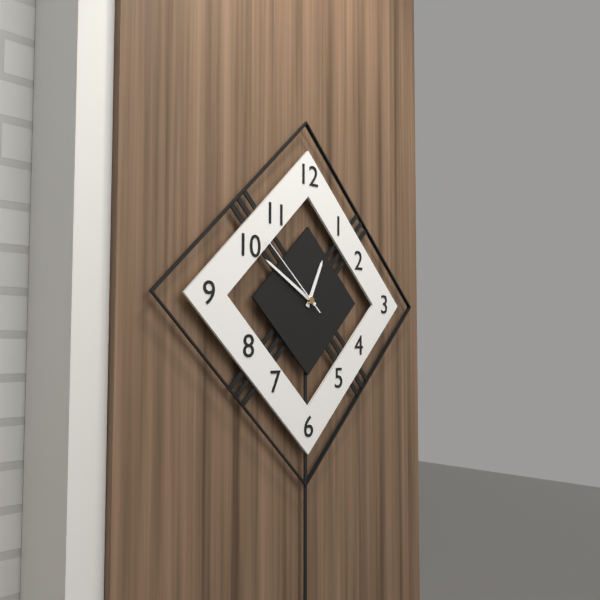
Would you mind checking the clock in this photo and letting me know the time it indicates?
12:50:52
